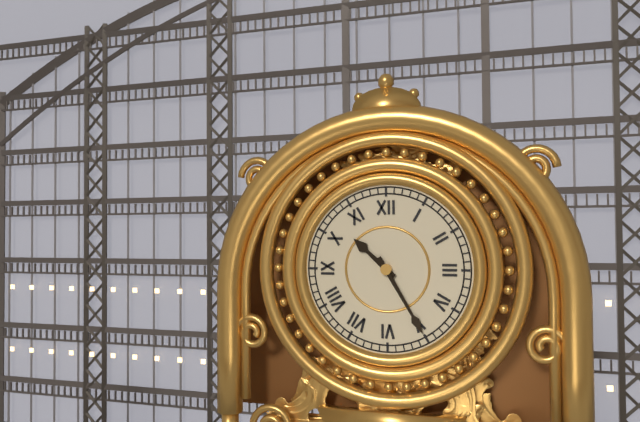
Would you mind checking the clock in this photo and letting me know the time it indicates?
10:25
